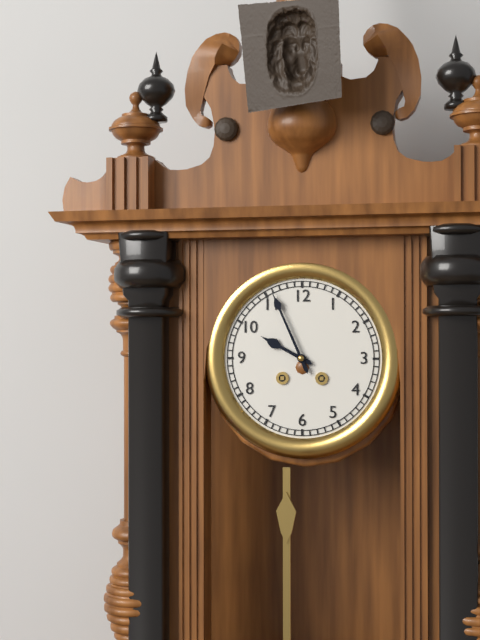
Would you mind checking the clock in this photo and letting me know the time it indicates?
9:56
